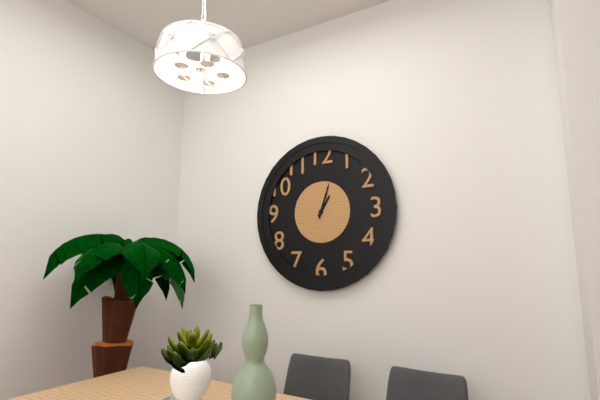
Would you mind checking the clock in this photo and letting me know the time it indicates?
1:03
